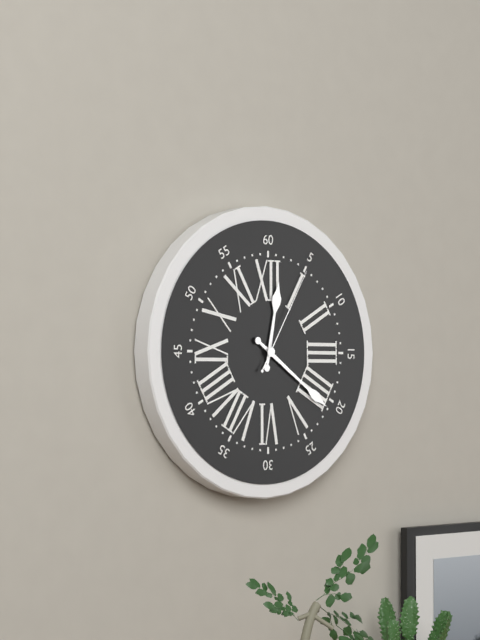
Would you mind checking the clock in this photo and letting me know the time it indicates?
12:21:05
